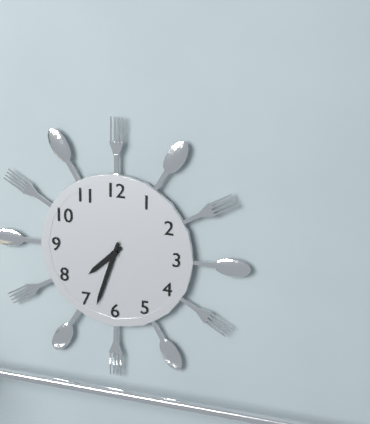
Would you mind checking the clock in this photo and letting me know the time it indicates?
7:33
